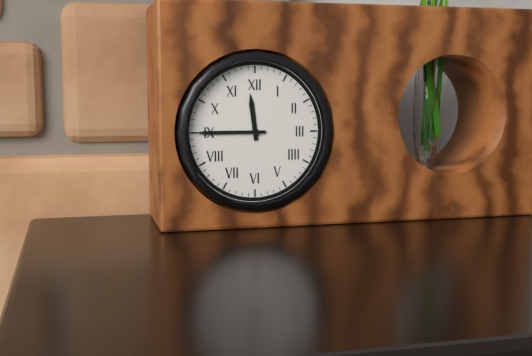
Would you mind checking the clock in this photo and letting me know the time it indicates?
11:45
